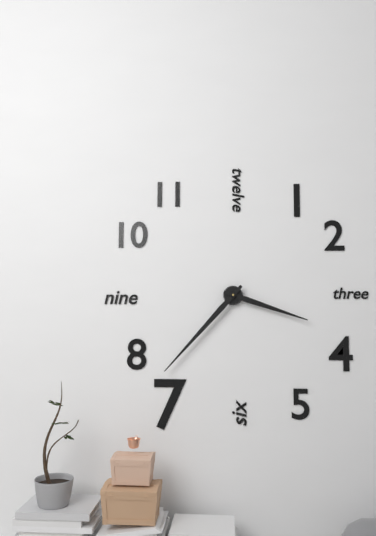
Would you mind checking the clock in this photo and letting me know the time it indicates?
3:37
